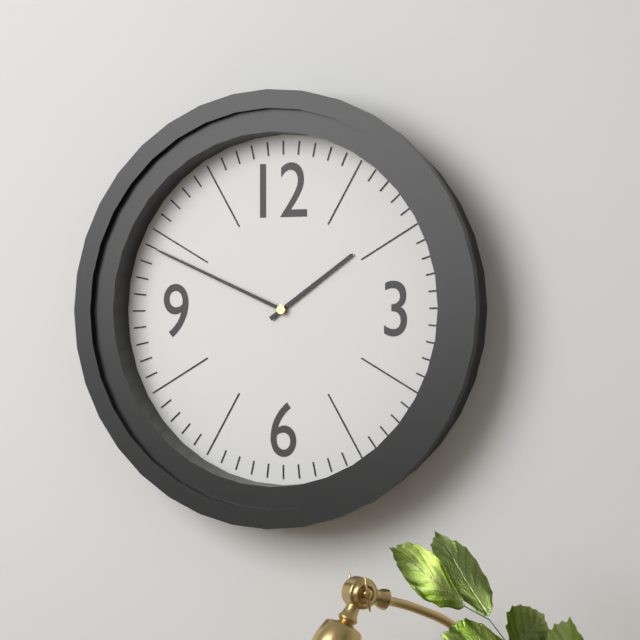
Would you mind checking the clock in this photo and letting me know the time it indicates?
1:49
